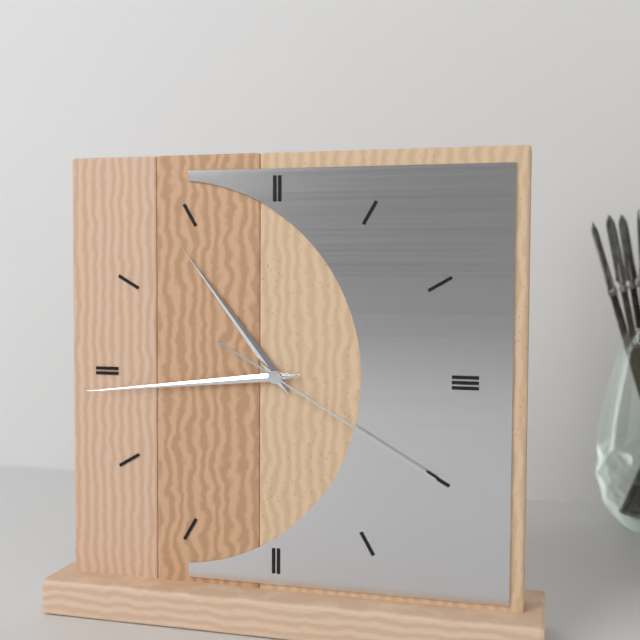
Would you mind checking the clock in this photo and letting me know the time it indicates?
10:44:20
